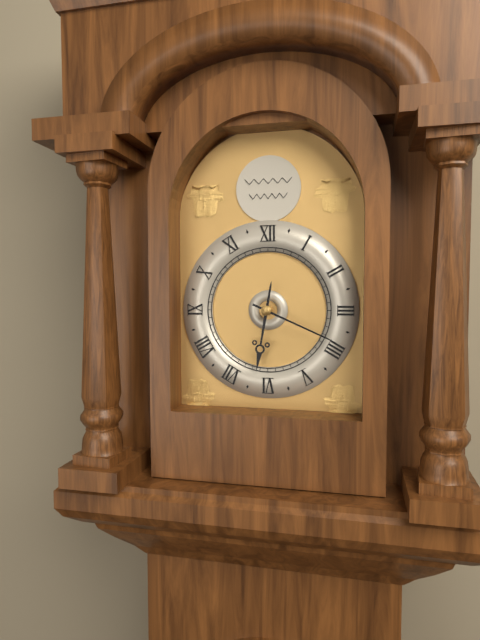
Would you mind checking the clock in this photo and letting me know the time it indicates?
6:19
